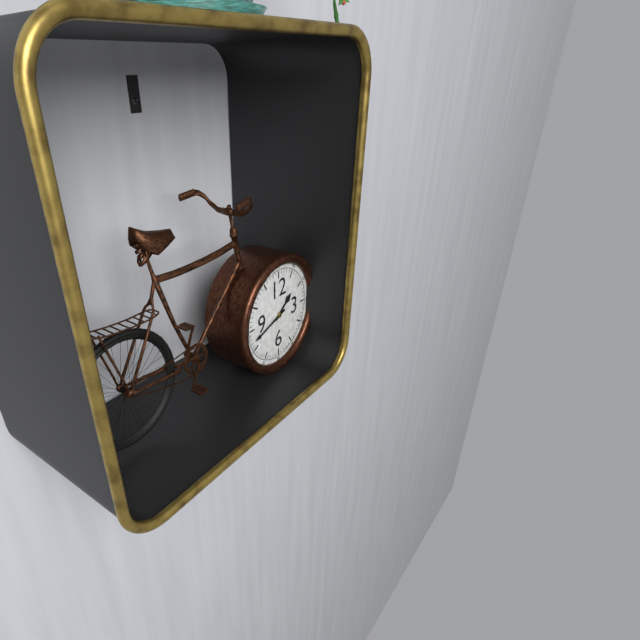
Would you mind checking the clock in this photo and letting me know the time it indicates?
1:42
